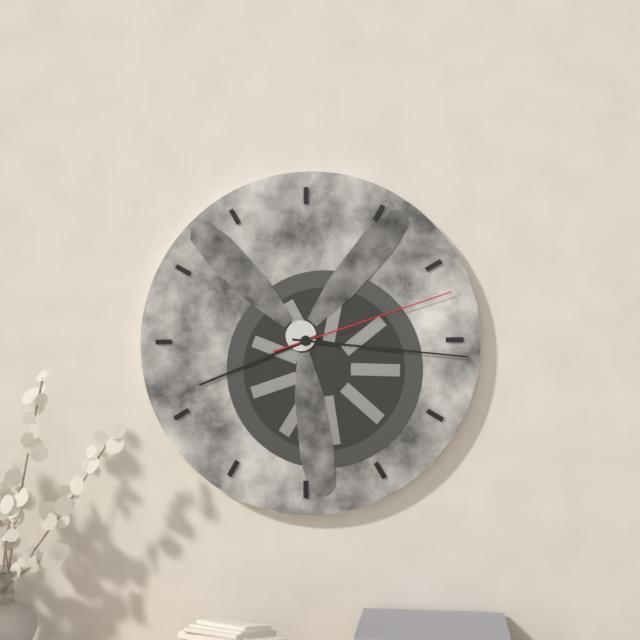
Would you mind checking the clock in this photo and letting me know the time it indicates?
8:16:12
